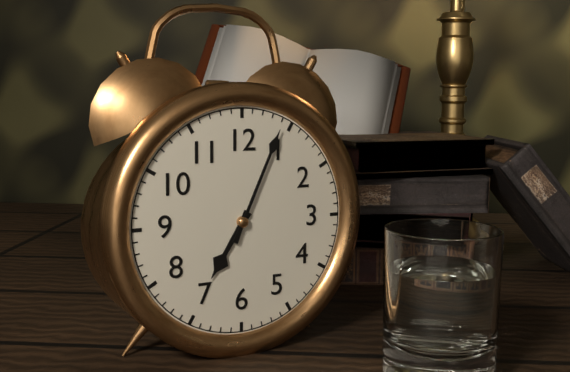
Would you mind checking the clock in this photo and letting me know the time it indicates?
7:04
